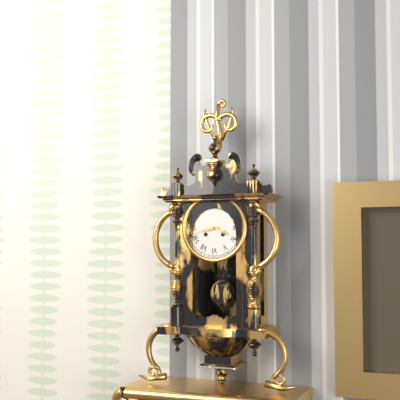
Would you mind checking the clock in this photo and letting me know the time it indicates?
3:43
